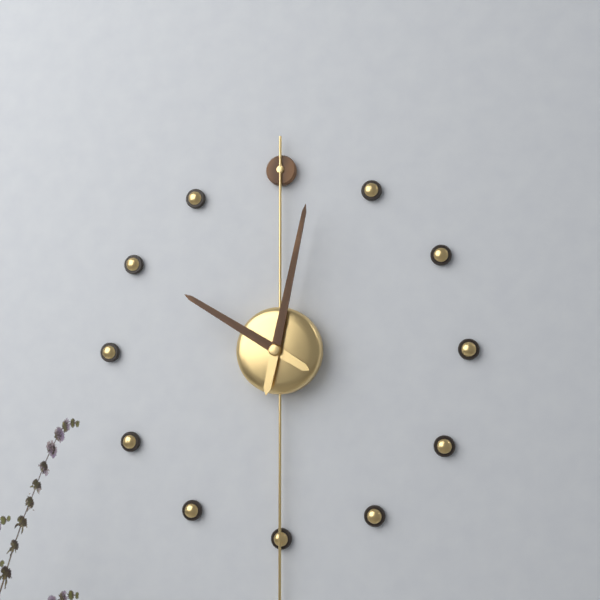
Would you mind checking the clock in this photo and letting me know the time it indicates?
10:02
